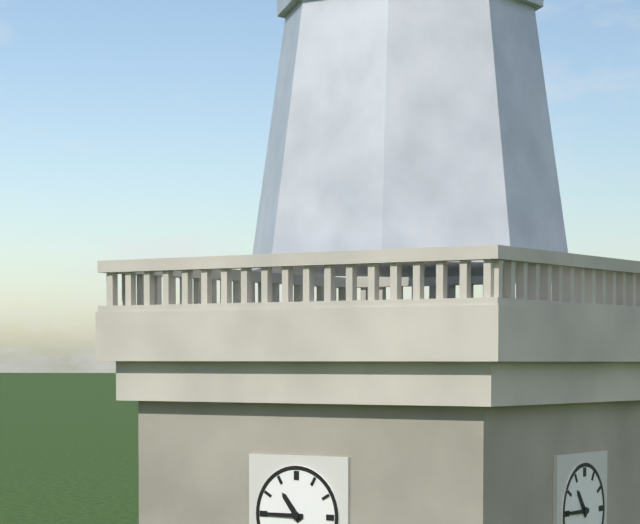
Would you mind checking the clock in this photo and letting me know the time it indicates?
10:45
